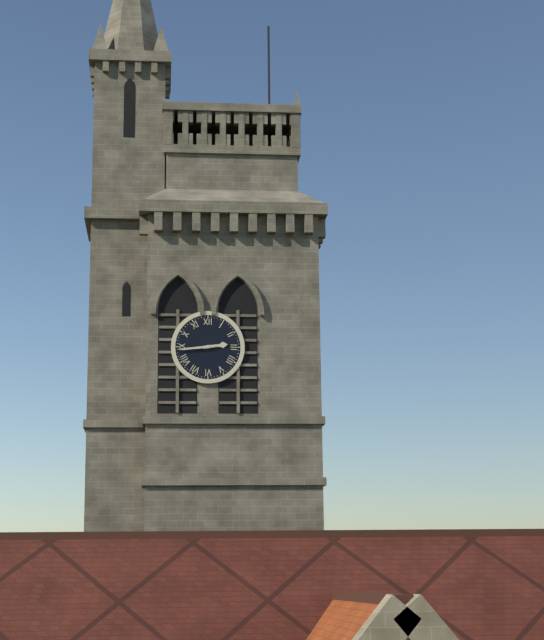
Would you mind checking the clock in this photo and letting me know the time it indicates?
2:44
